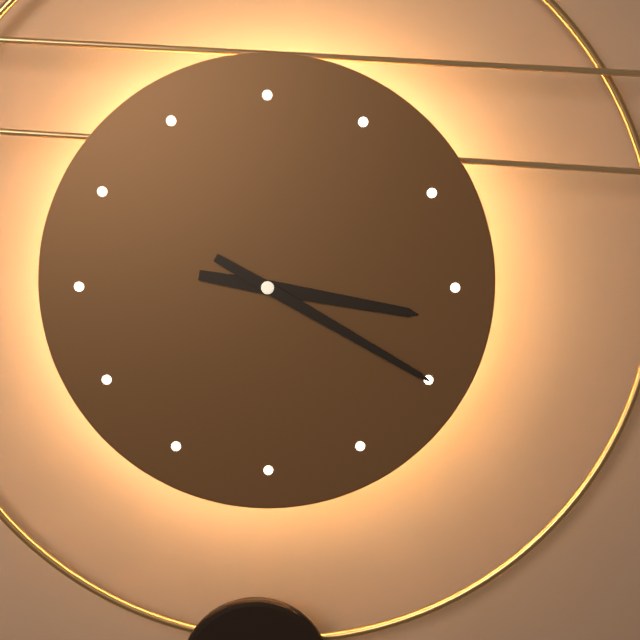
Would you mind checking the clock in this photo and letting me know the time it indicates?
3:20
